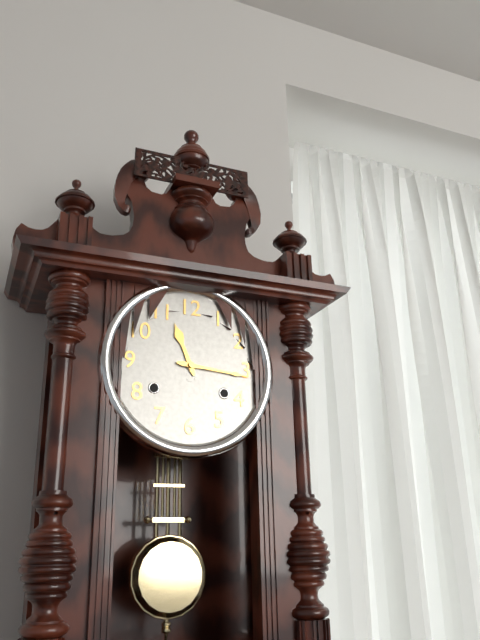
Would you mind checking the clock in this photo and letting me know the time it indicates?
11:16
